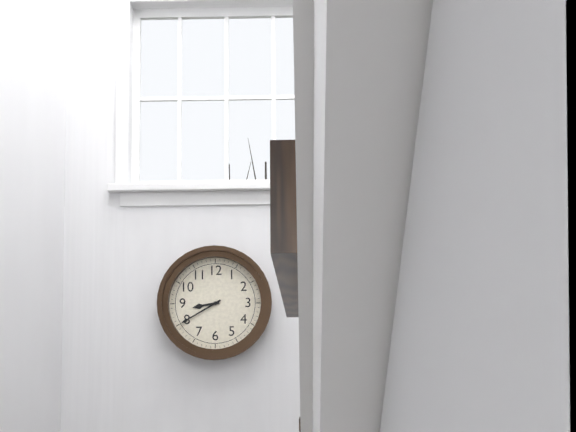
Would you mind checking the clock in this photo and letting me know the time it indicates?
8:40
